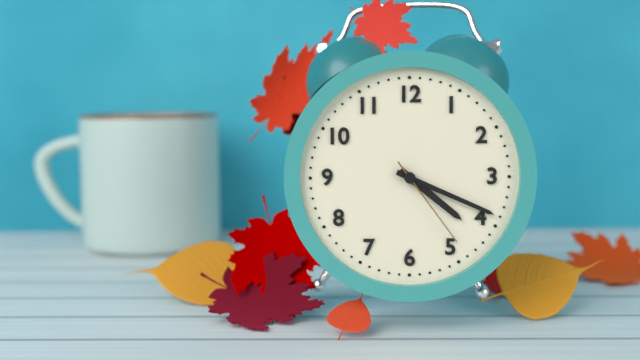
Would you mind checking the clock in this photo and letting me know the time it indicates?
4:19:24
